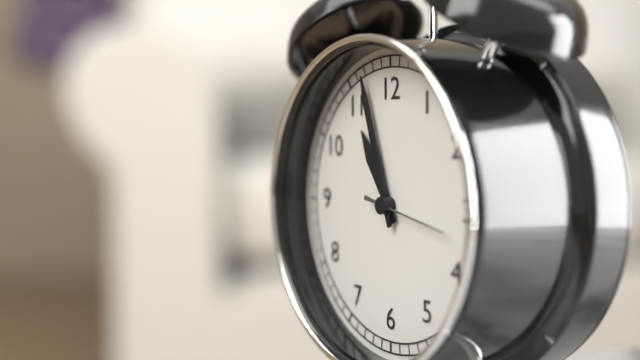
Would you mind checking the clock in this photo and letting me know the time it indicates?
10:57:17
